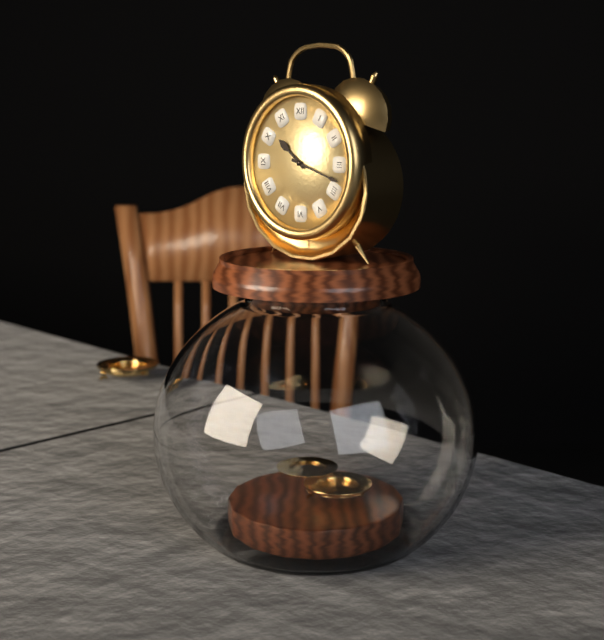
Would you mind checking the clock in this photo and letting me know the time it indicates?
10:18
